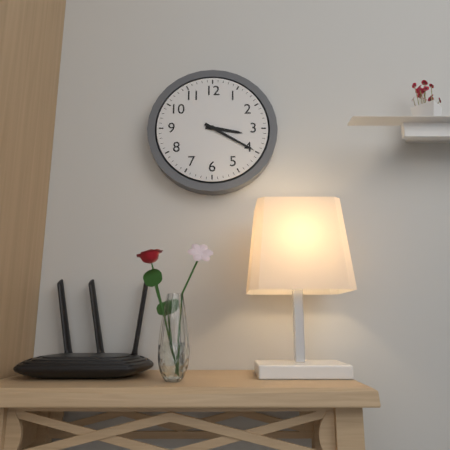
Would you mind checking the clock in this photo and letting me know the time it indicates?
3:20
